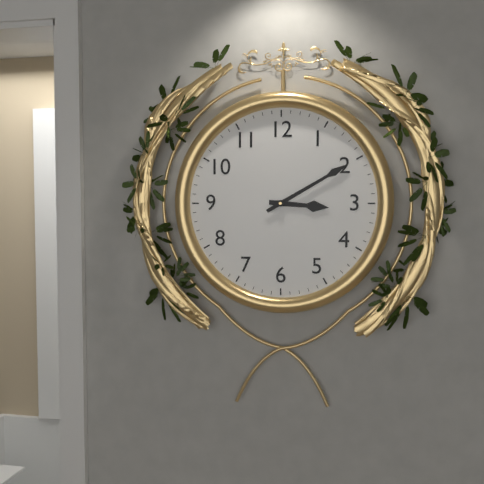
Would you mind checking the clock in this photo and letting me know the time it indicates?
3:10
